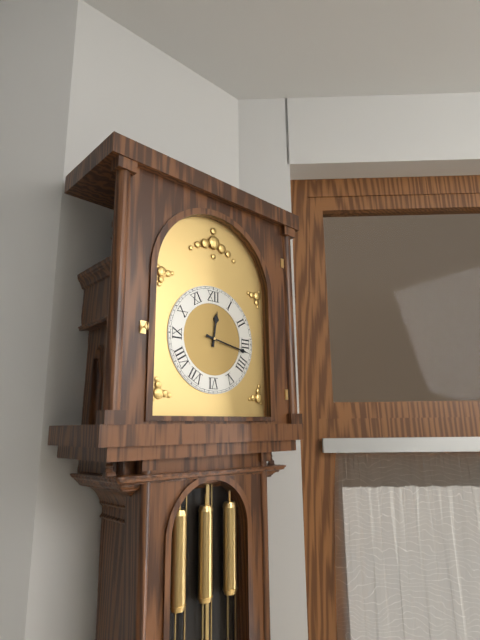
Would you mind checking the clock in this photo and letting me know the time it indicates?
12:17
